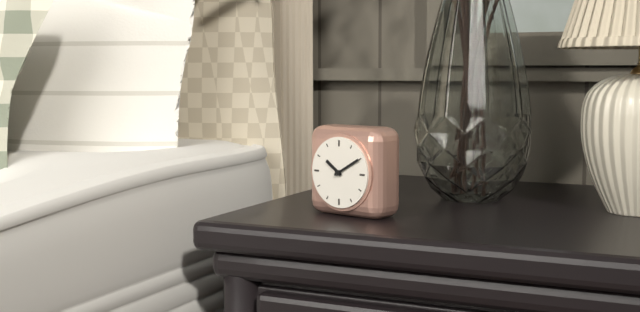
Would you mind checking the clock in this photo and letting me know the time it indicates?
10:10
